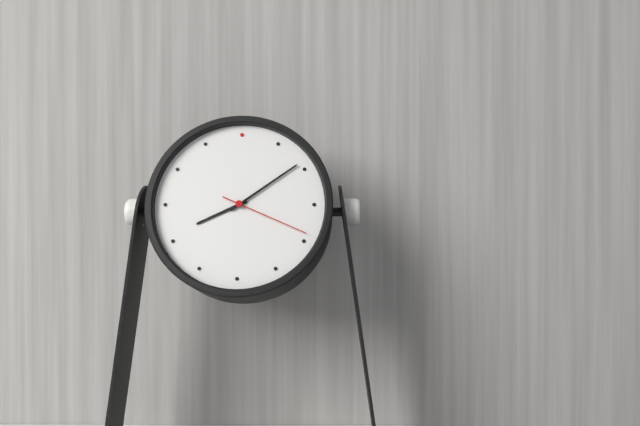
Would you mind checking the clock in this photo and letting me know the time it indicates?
8:09:19
